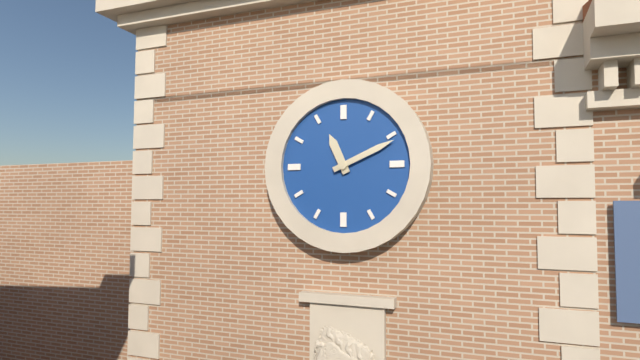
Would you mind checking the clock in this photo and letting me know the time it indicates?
11:11
